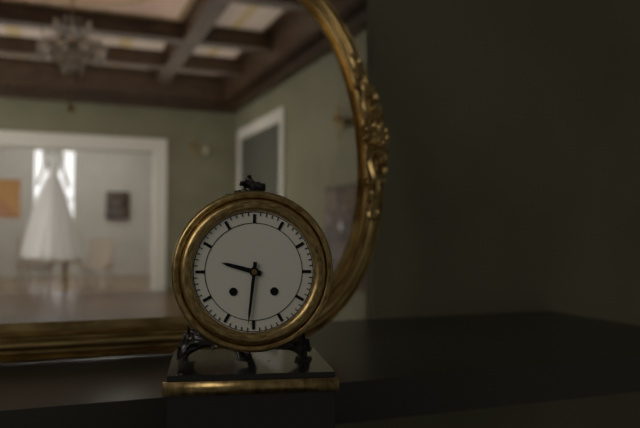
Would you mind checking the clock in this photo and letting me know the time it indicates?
9:31
